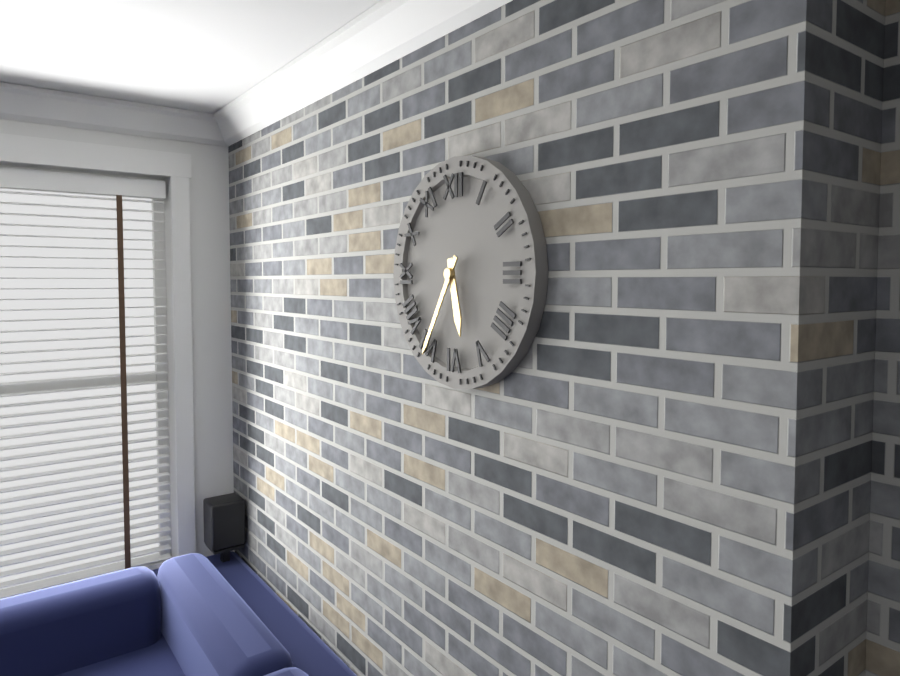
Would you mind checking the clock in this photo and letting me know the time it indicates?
5:35
